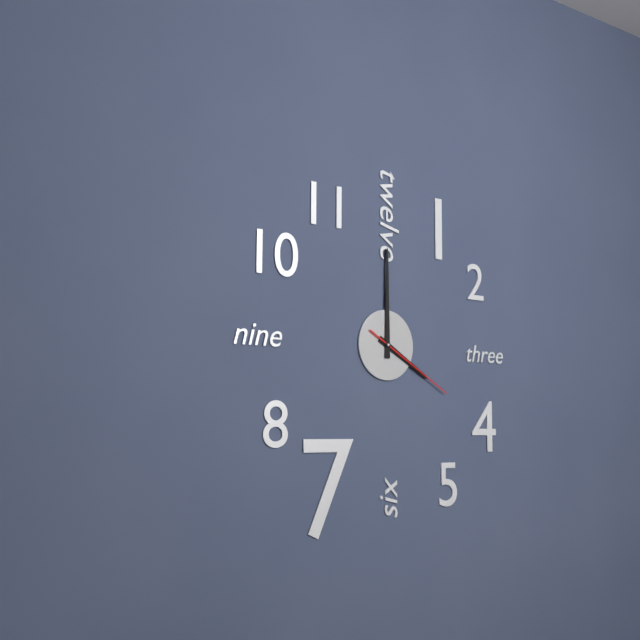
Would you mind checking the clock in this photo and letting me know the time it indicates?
4:00:20
